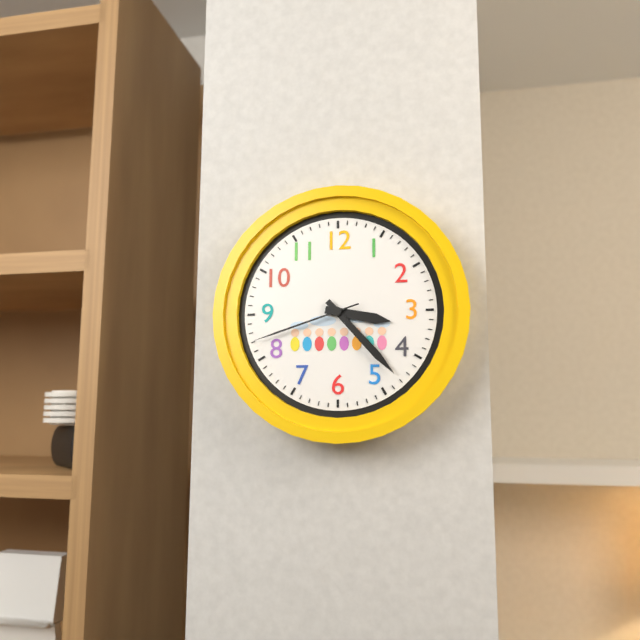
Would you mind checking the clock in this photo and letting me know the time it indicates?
3:23:42
